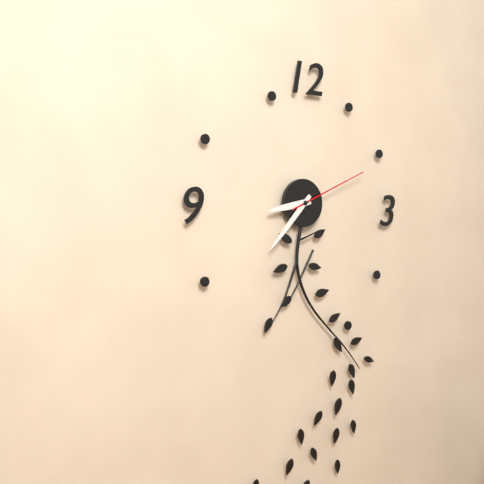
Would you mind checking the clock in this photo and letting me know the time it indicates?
8:37:11
